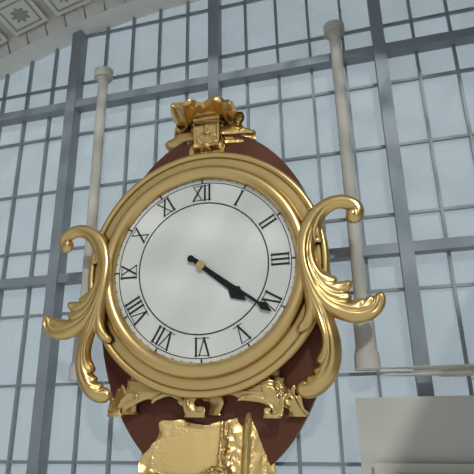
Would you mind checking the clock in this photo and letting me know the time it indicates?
4:21
